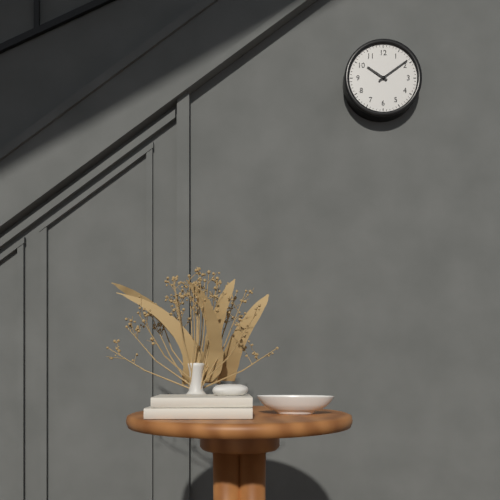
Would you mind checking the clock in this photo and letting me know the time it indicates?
10:09
